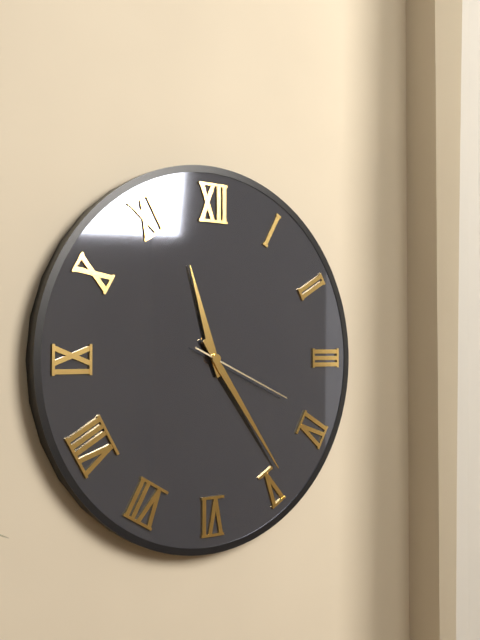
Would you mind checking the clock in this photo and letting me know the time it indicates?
11:24:19
